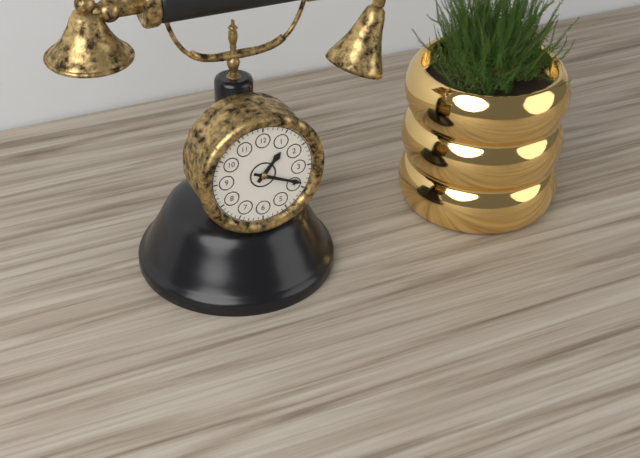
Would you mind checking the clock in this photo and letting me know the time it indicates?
1:19
